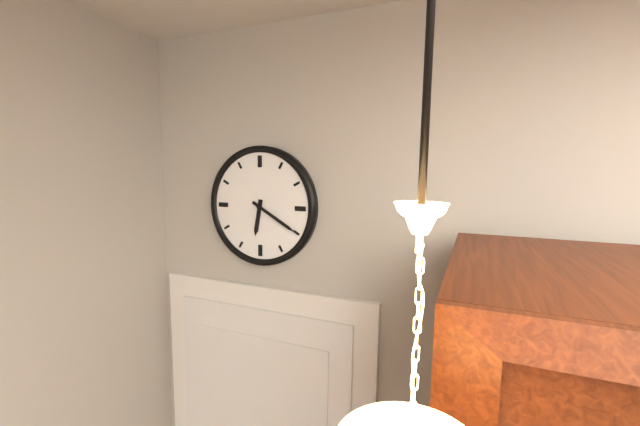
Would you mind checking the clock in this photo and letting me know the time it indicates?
6:20
